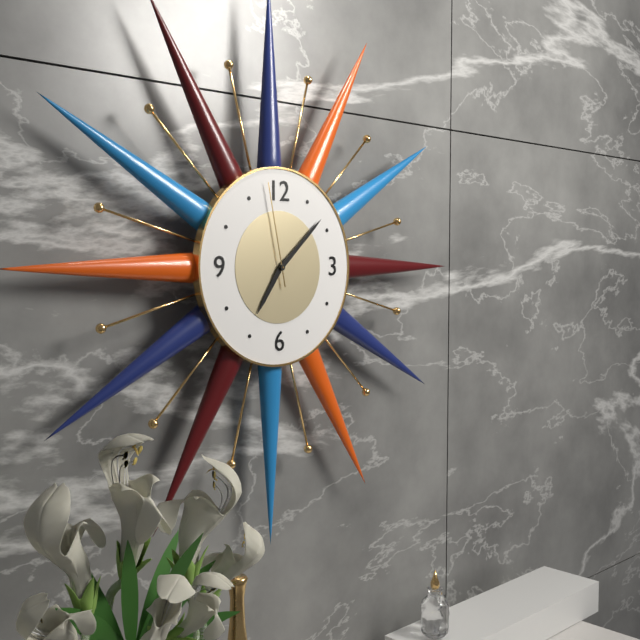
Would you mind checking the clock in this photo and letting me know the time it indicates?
7:08:58
